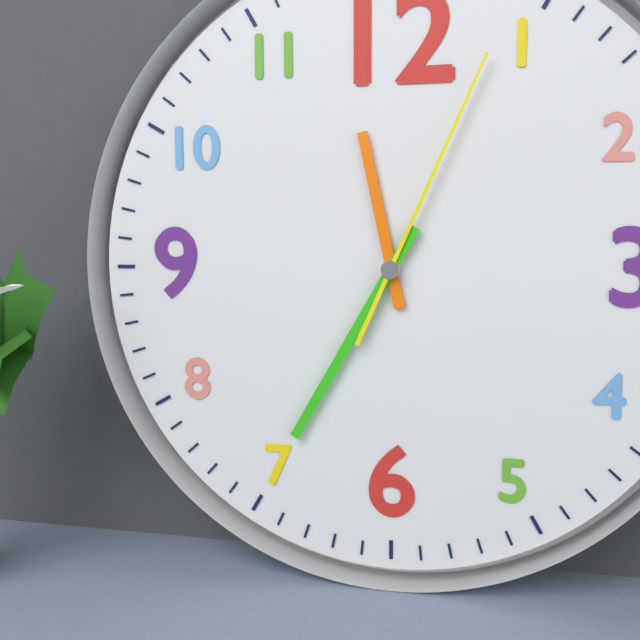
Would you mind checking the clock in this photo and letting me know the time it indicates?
11:35:04
